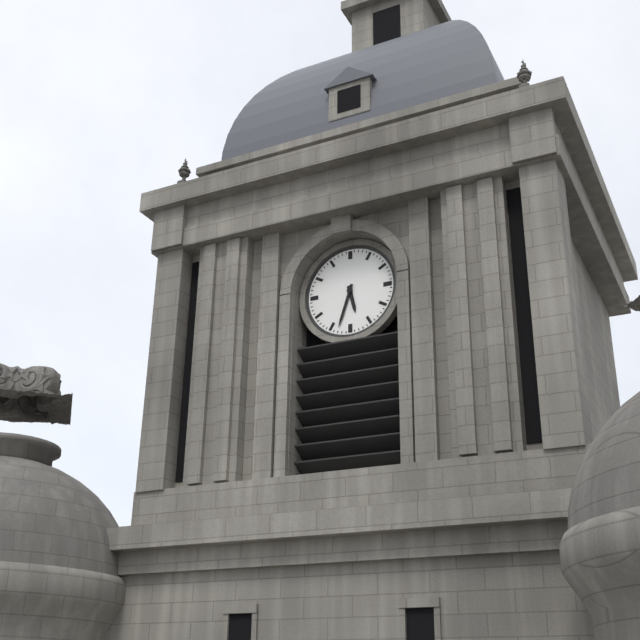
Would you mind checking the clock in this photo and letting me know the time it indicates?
5:33
